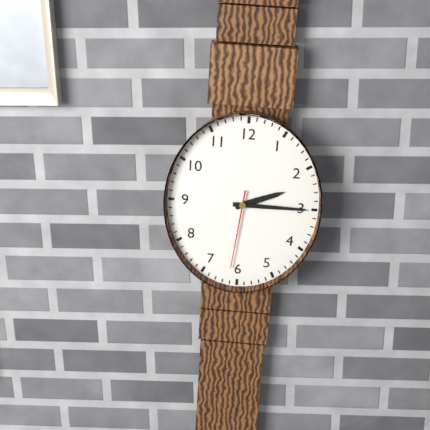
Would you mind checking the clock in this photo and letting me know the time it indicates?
2:15:31
